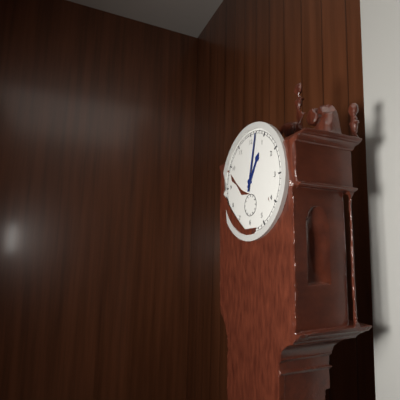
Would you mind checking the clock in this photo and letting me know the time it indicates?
1:02
